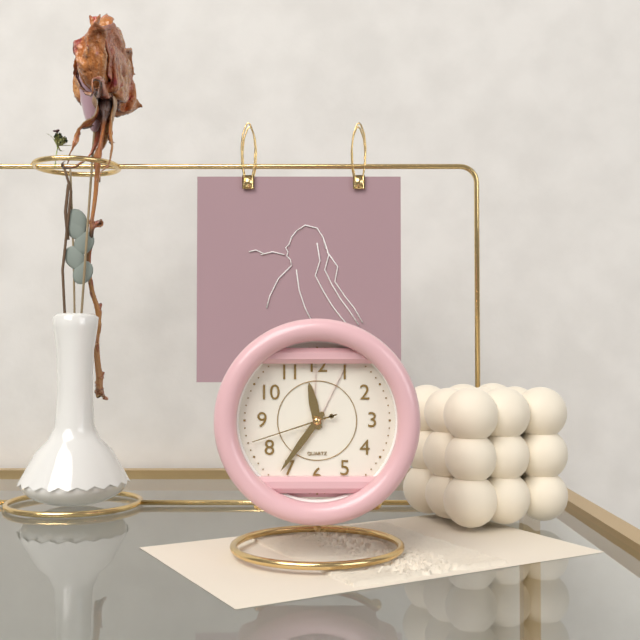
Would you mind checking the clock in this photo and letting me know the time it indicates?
11:36:42
